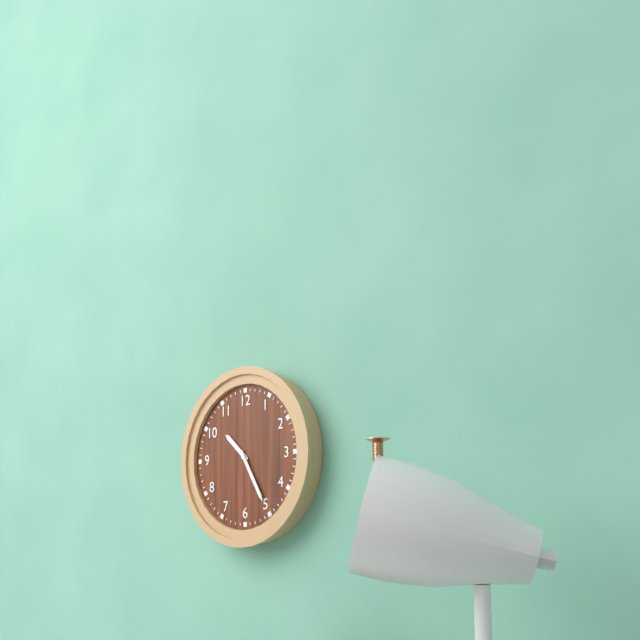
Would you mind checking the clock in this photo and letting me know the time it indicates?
10:25
